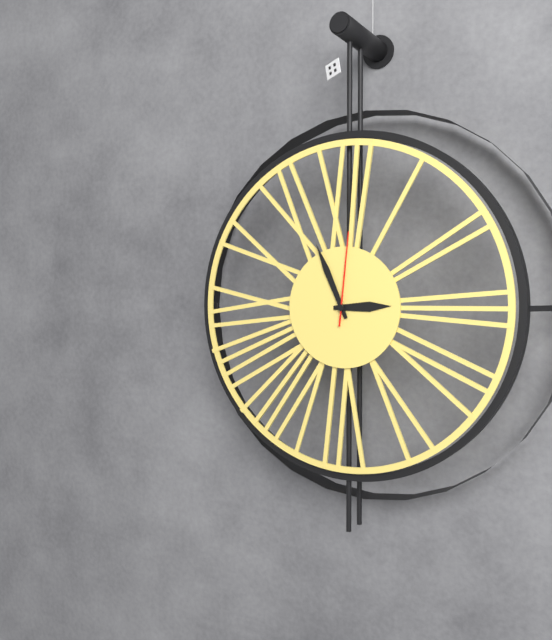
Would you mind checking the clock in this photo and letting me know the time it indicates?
2:56:01
